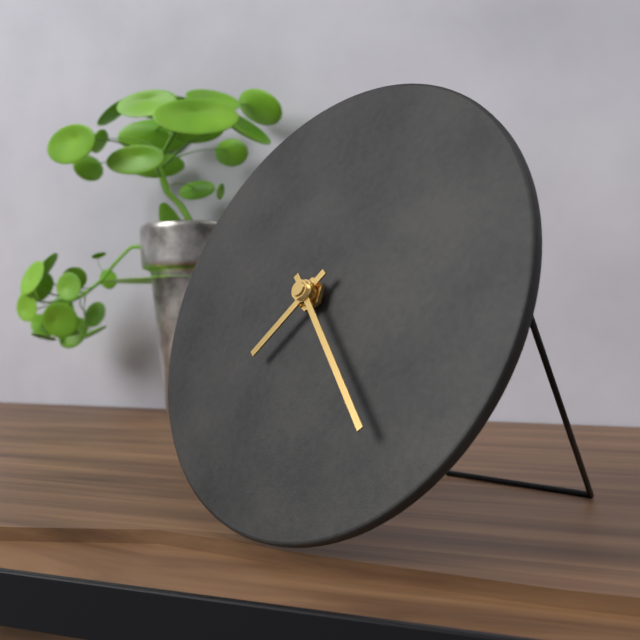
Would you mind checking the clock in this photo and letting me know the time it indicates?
7:23
